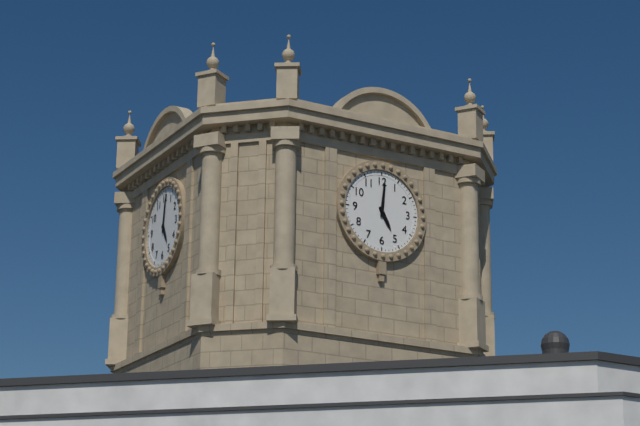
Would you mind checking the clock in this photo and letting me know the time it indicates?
5:01
